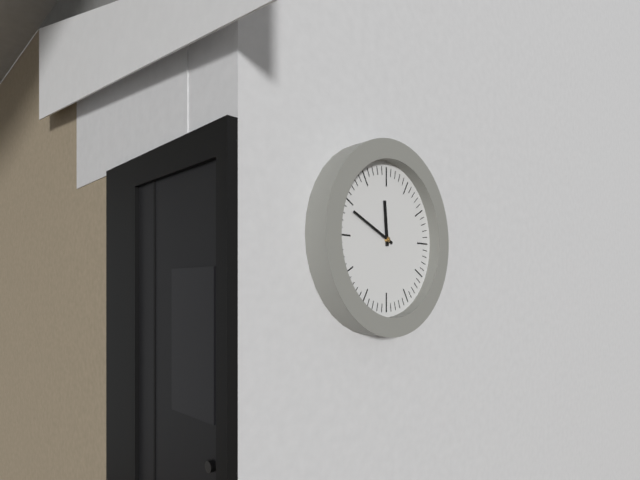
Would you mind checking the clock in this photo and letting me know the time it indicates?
11:49
